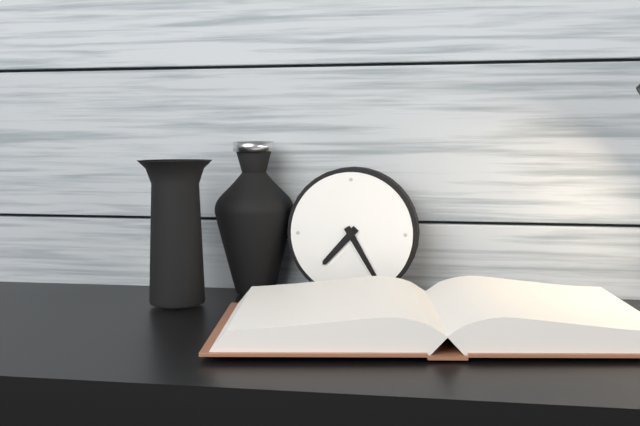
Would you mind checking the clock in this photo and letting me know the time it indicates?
7:25
